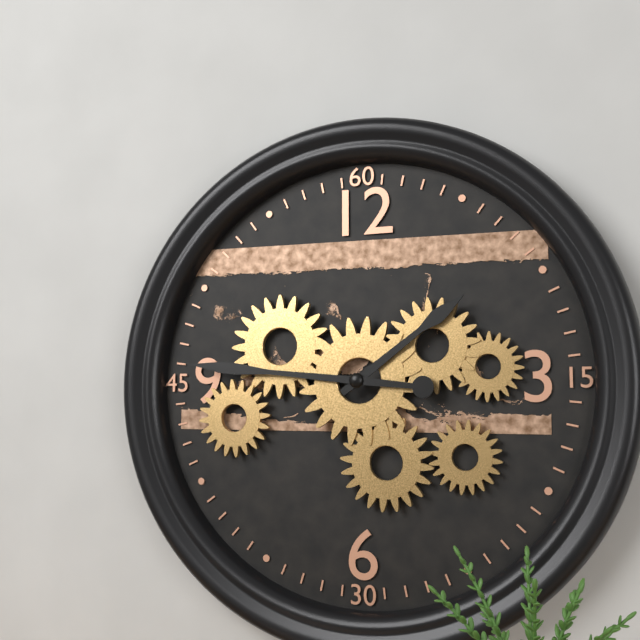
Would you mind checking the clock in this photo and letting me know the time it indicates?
1:46
